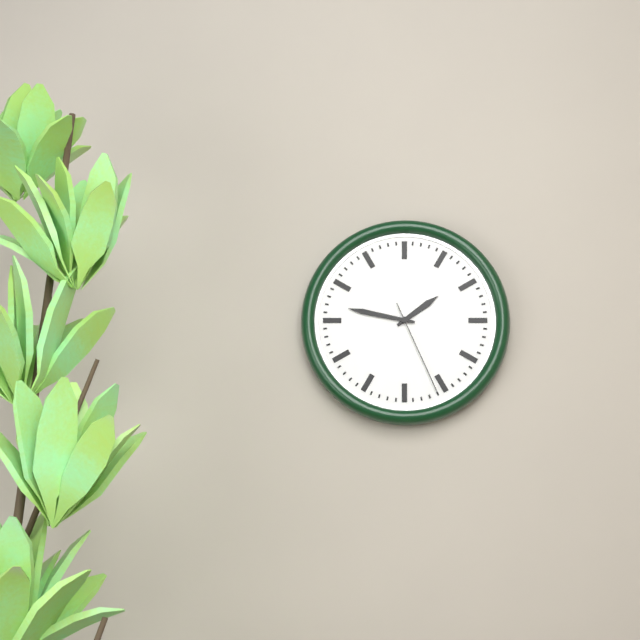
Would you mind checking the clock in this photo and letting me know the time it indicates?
1:47:26
